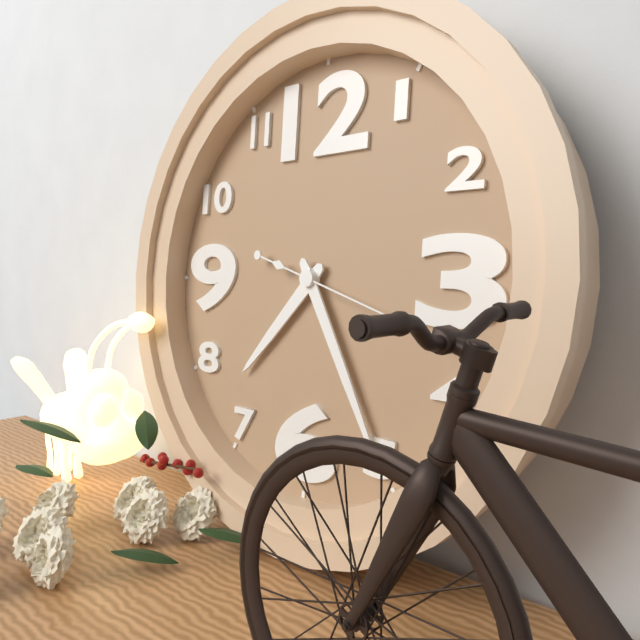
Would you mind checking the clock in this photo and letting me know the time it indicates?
7:25
